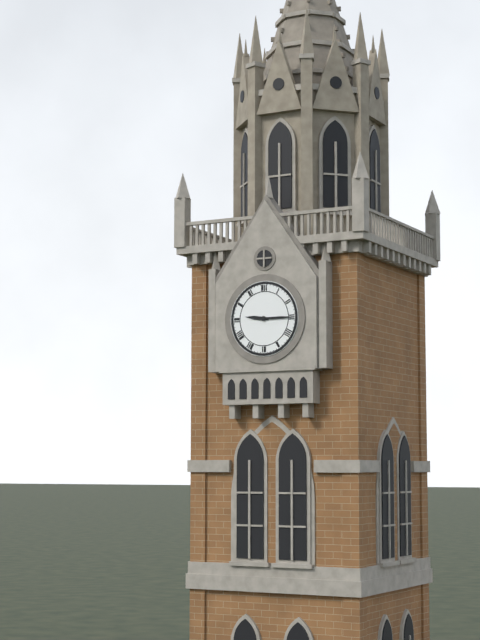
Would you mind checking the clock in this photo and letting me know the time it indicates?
9:15
